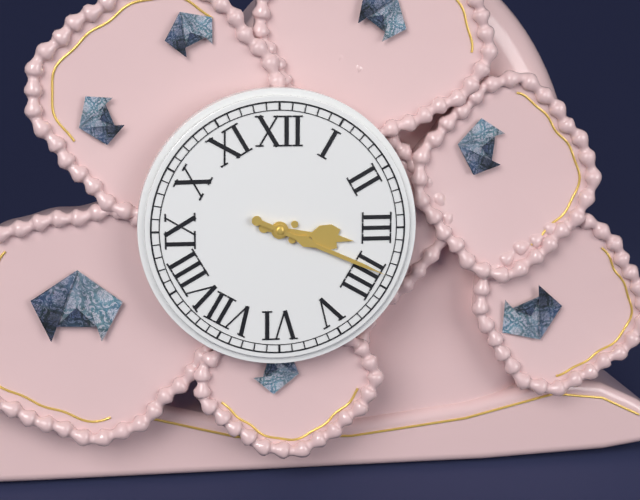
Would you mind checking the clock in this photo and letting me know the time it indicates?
3:19
